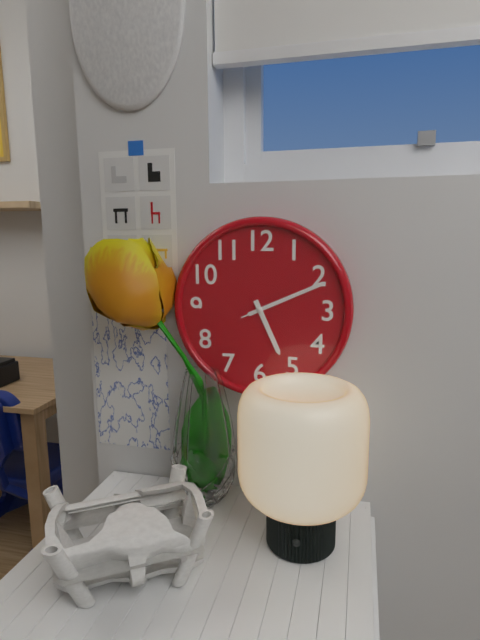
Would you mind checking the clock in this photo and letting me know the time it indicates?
5:11:11
